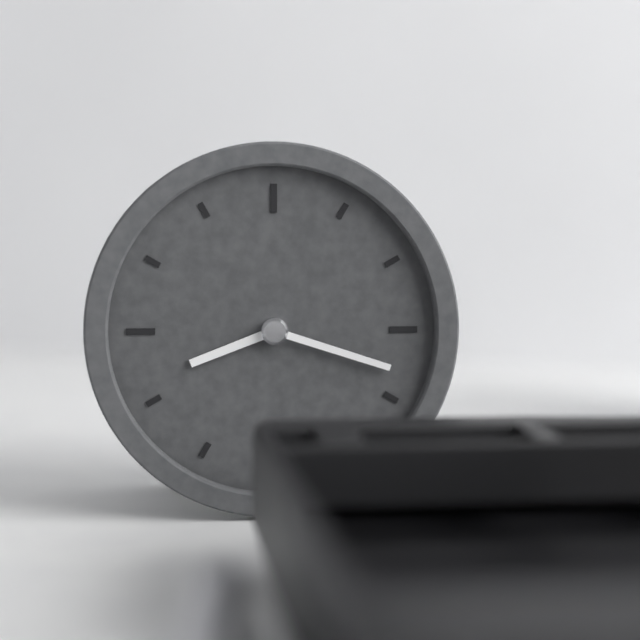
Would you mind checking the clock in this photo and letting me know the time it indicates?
8:18
